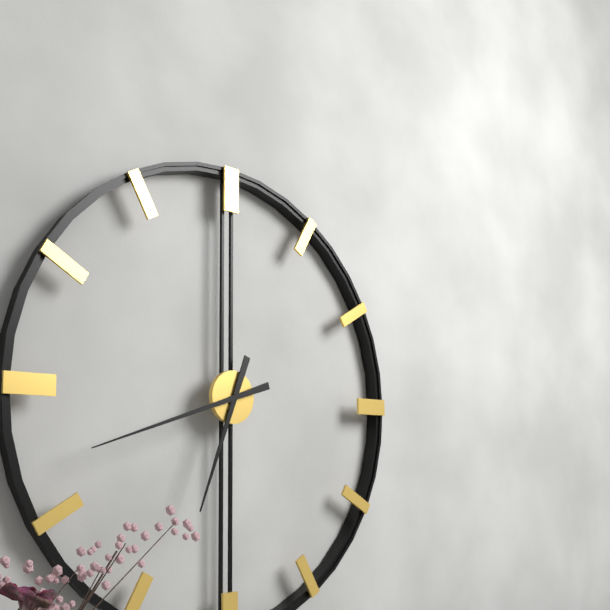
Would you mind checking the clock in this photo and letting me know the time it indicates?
6:42
